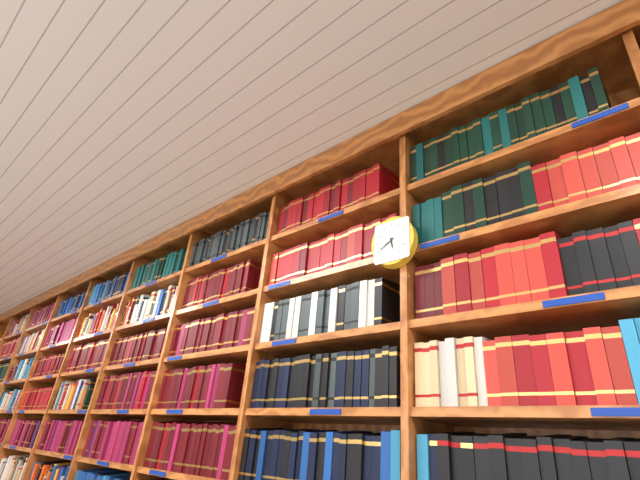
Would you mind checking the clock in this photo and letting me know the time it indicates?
5:40
